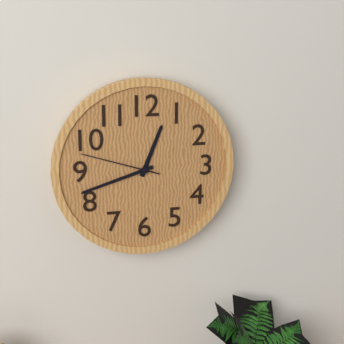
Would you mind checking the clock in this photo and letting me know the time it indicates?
12:42:48
